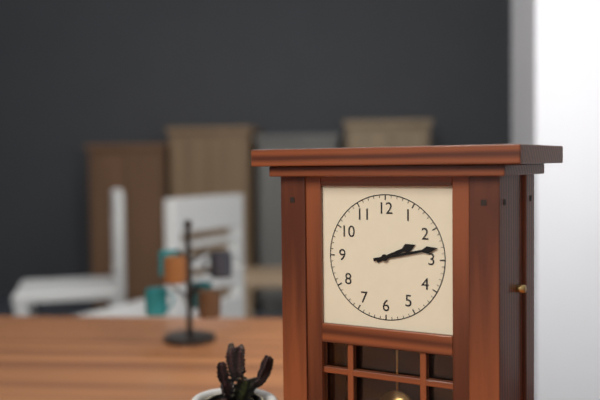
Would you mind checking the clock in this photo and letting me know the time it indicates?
2:13
